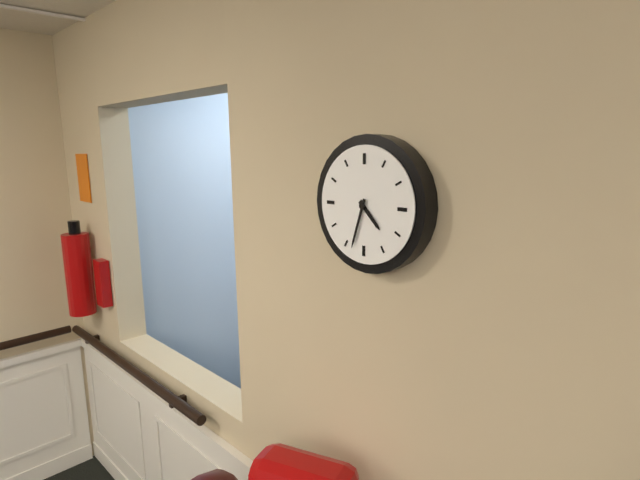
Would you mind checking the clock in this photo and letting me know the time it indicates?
4:33
